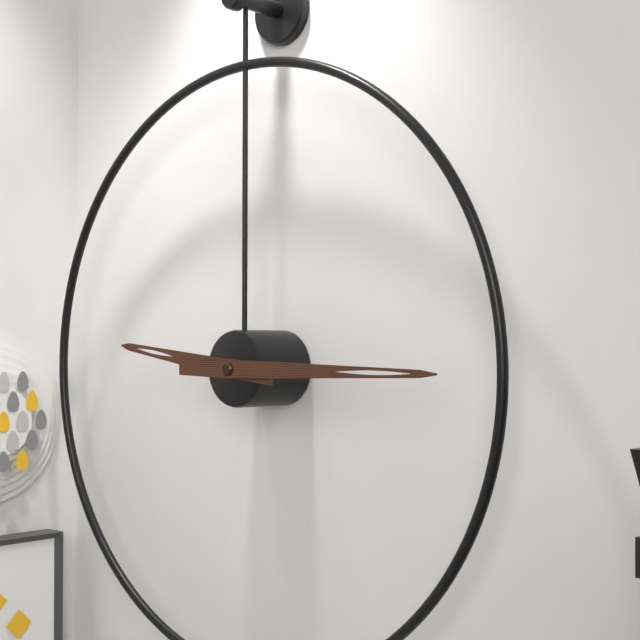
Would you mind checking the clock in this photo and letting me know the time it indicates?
9:15
